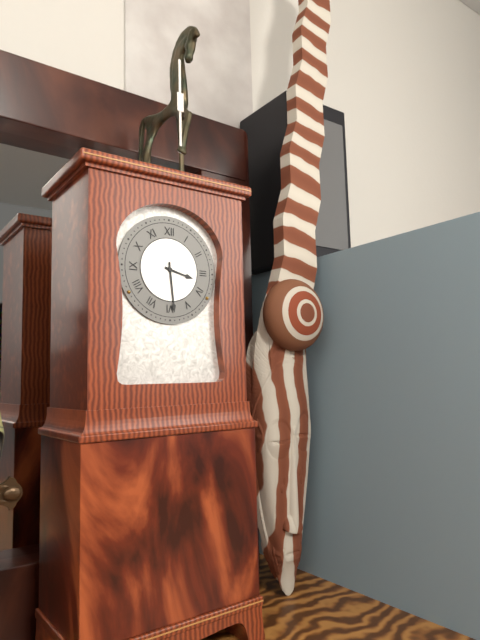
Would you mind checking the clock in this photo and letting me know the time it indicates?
3:29
